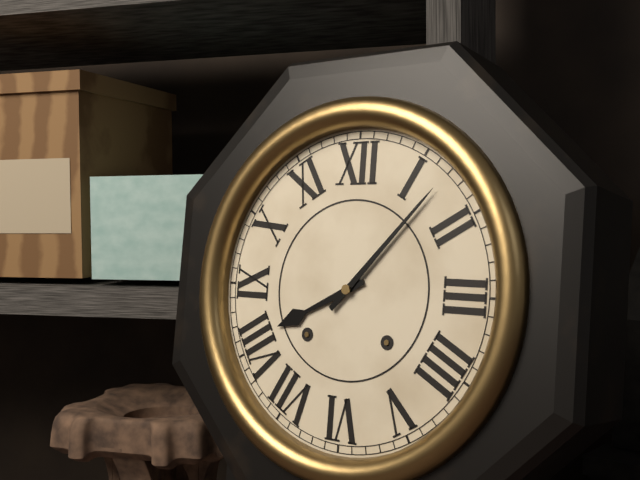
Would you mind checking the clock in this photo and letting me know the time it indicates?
8:07
